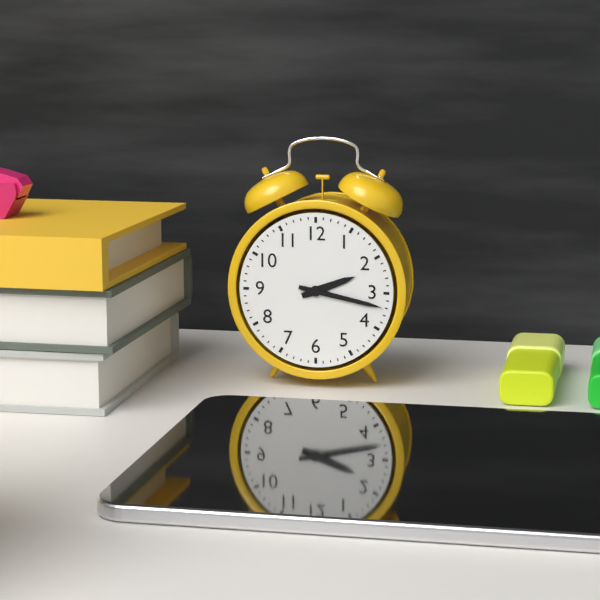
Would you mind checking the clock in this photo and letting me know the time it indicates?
2:17
